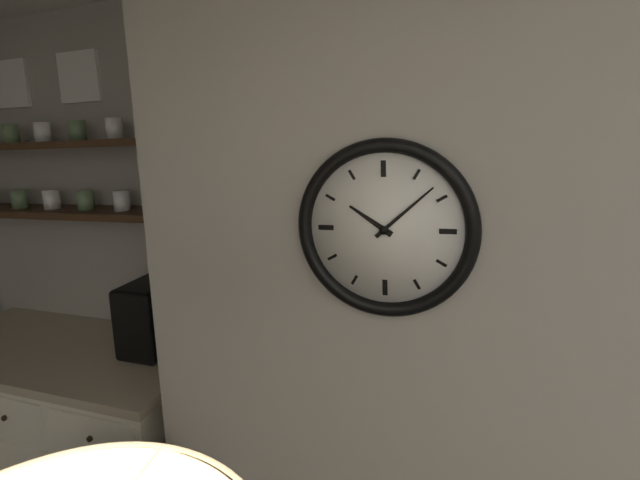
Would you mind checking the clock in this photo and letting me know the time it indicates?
10:08
